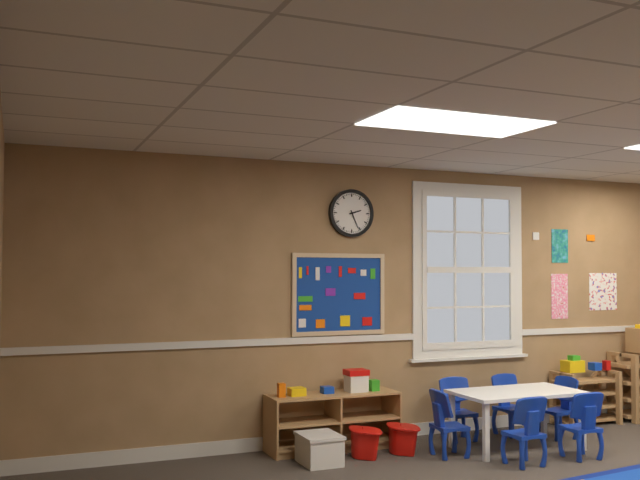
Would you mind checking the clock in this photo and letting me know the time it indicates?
2:26
